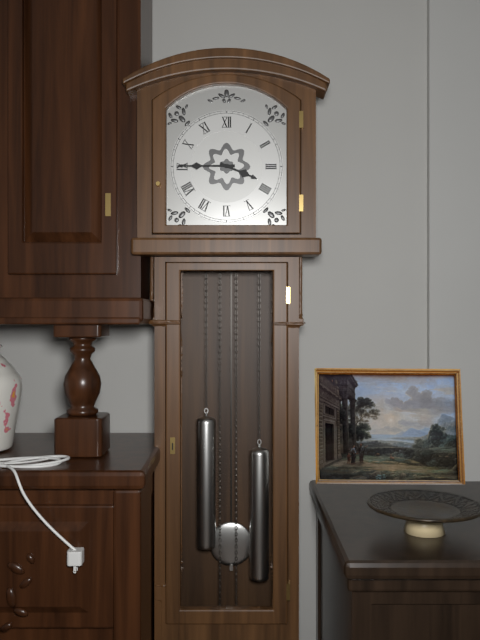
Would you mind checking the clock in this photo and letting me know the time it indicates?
3:45
